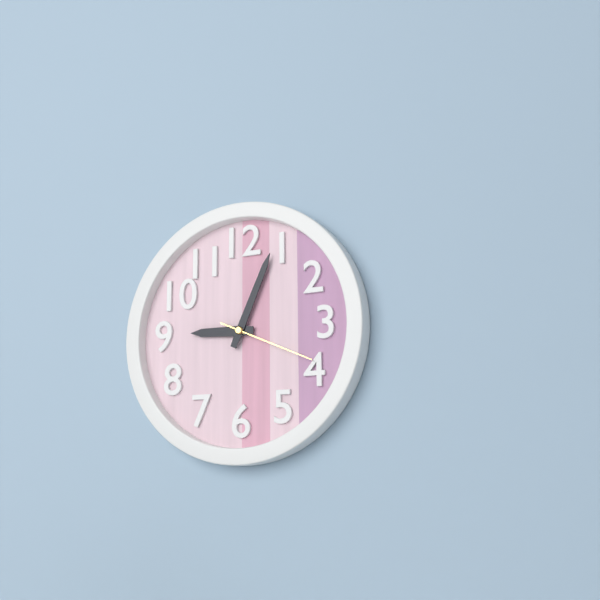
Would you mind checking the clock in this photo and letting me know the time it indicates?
9:04:19
